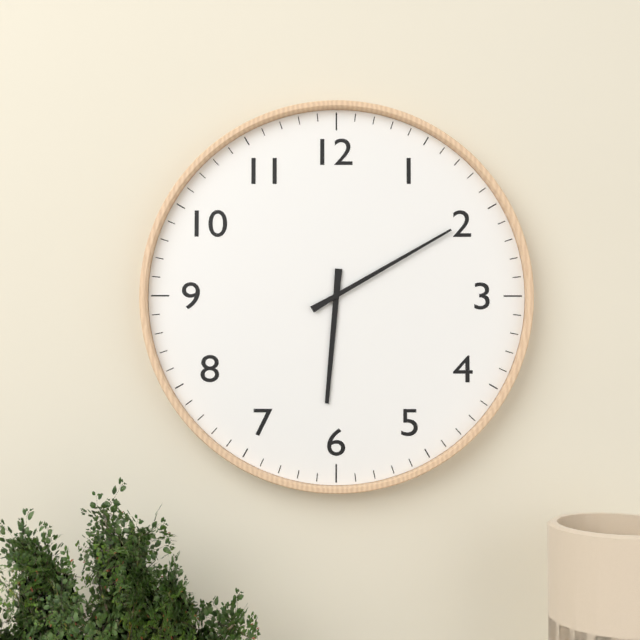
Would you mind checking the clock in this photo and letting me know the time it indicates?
6:10
